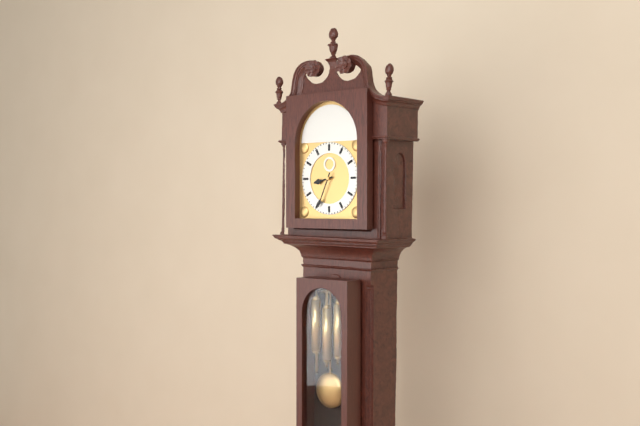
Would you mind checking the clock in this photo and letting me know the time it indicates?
8:34
